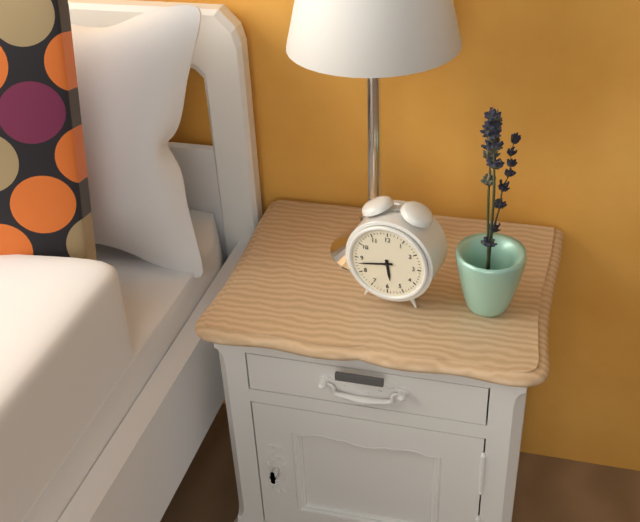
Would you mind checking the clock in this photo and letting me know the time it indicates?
5:43
